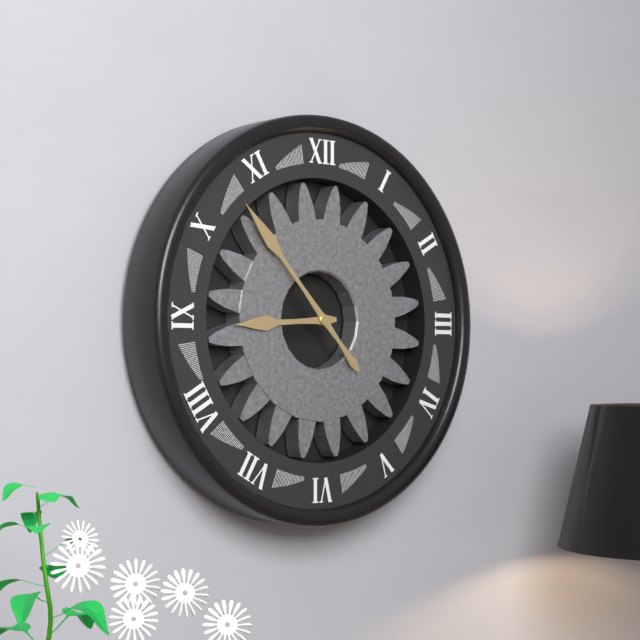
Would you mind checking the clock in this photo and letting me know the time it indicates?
8:53
